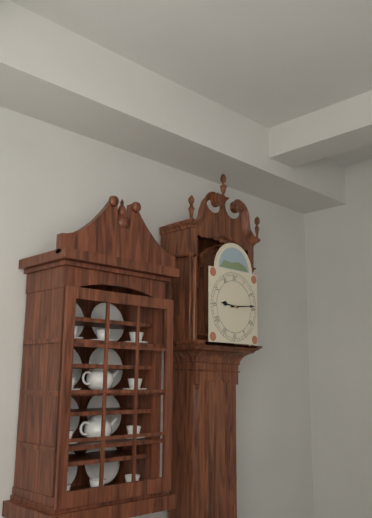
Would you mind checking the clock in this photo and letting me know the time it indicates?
9:14
